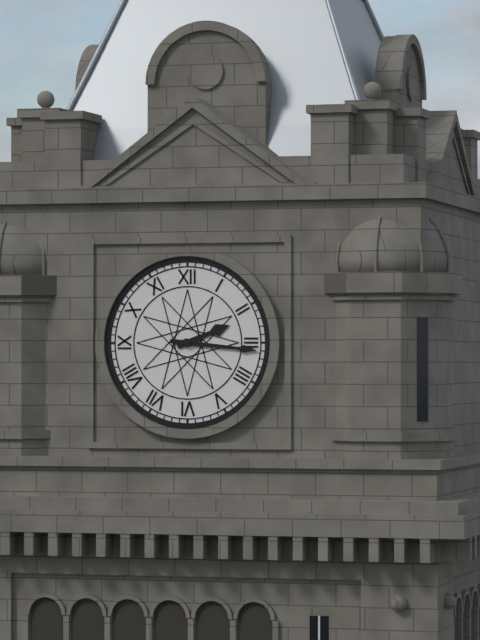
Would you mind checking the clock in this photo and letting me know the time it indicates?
2:16
